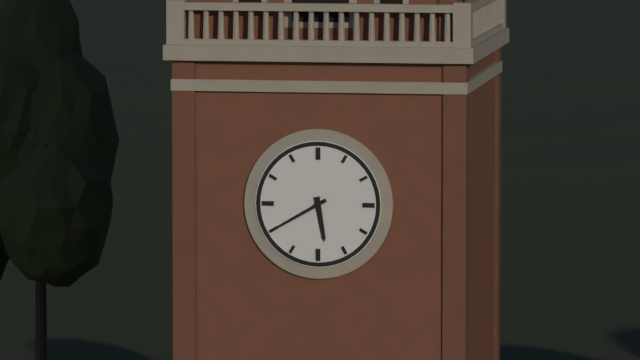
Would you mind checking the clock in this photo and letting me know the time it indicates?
5:40
